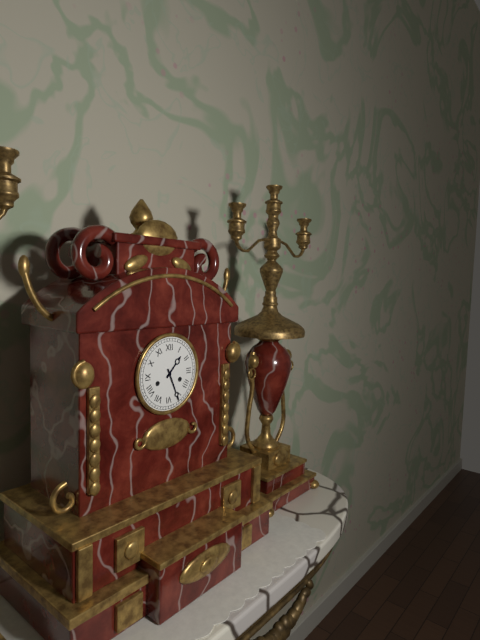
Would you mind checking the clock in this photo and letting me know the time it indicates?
1:26
